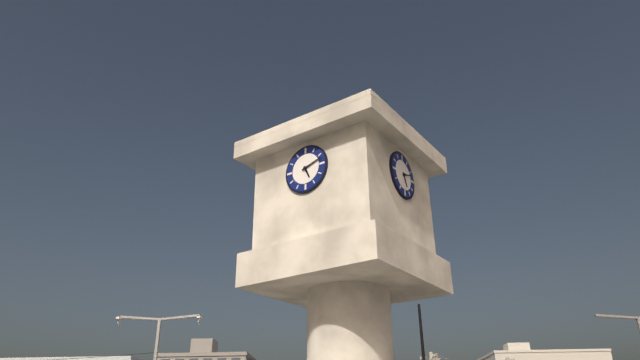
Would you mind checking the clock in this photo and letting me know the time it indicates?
5:12
